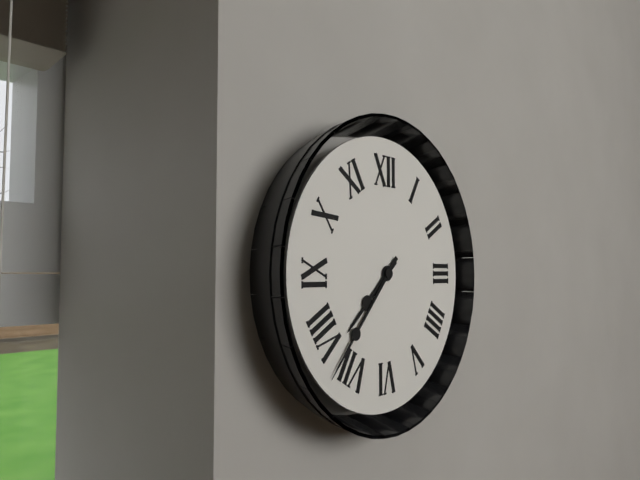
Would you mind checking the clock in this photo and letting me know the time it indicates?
7:37
